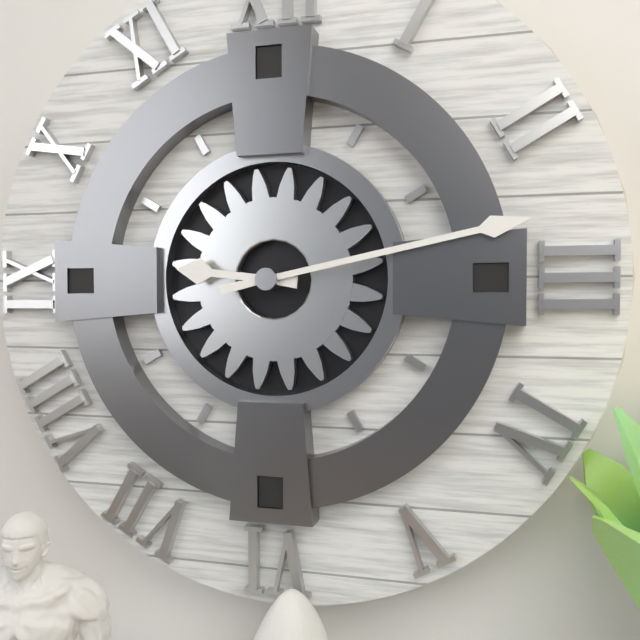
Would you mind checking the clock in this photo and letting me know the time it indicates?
9:13
